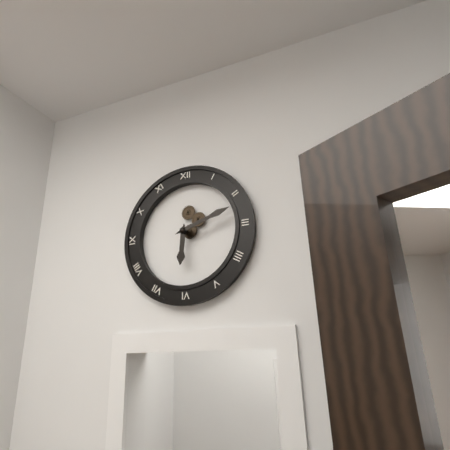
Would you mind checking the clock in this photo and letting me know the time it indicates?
6:12
